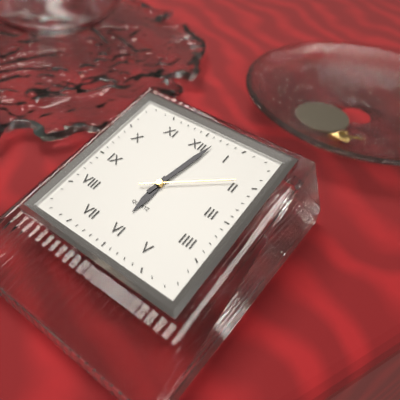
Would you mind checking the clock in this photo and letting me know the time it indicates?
6:02:09
